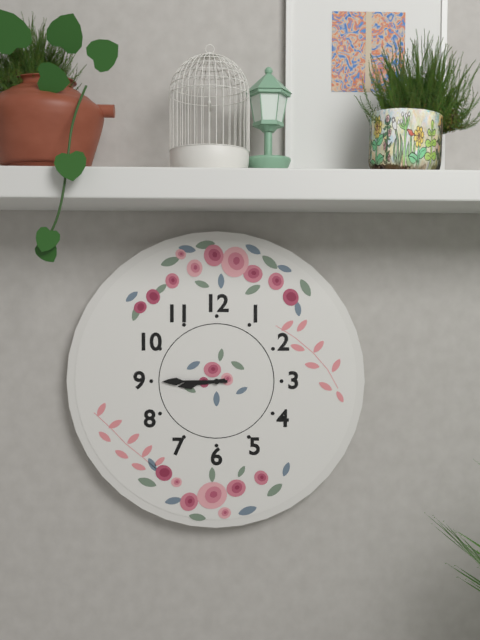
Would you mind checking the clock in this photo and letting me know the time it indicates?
8:45
